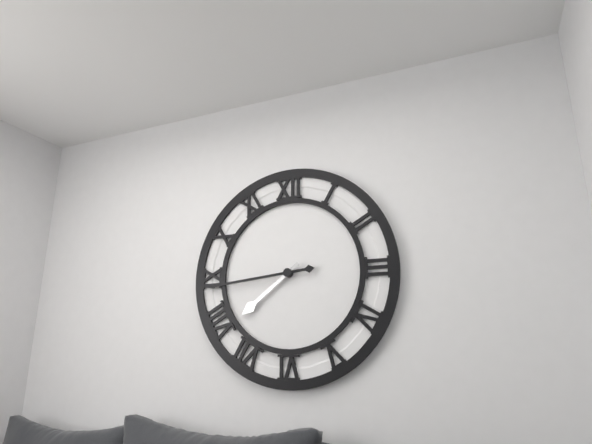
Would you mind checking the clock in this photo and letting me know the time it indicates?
7:44
